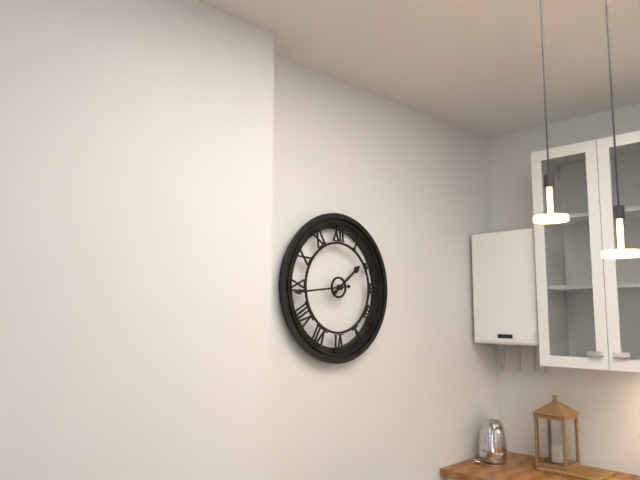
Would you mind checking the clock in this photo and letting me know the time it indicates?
1:44
